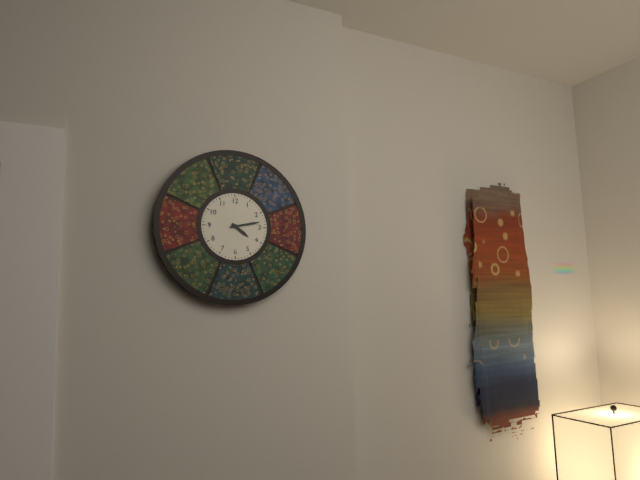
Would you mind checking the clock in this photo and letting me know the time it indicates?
4:13
